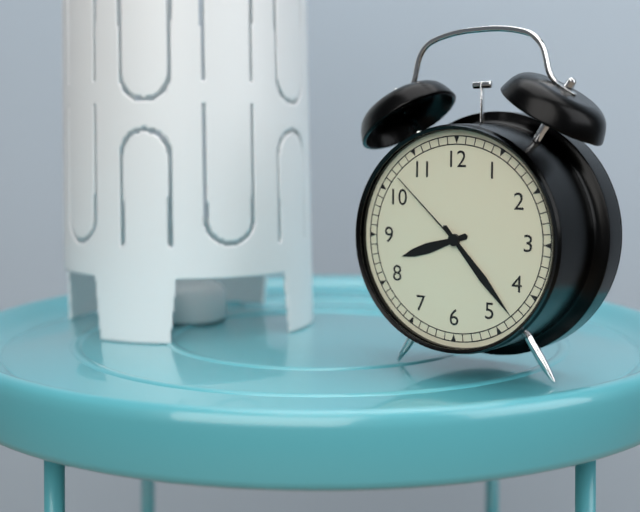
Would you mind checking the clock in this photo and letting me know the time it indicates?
8:23:52
